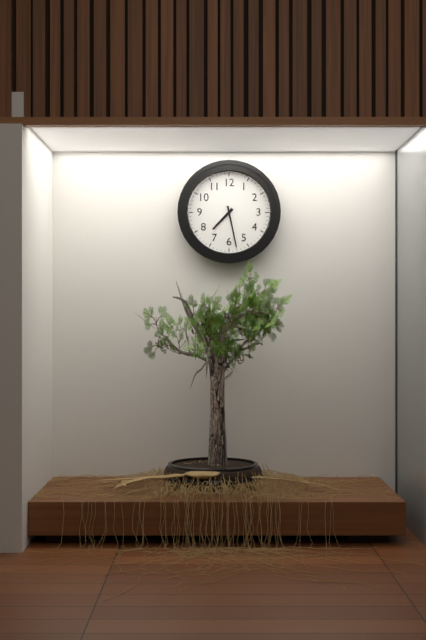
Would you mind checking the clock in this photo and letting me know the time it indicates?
7:28
